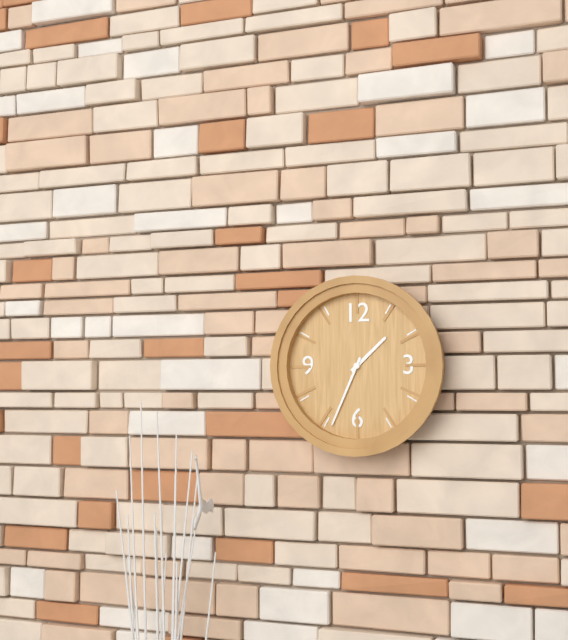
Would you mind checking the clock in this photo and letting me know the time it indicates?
1:34
